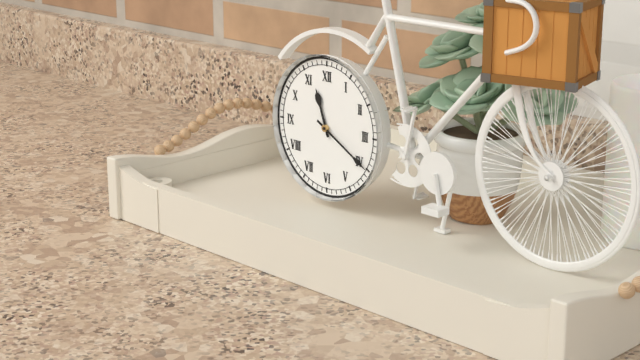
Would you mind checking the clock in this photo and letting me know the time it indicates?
11:20
